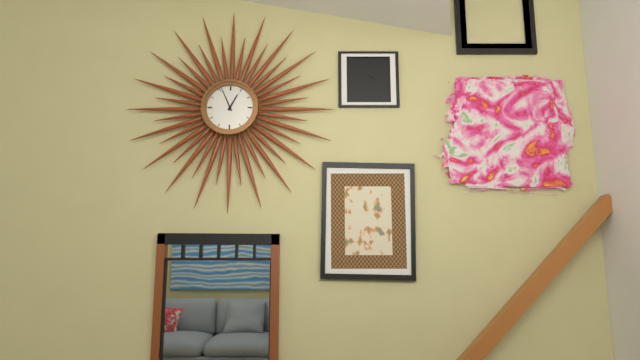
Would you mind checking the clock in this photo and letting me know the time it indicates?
12:56
